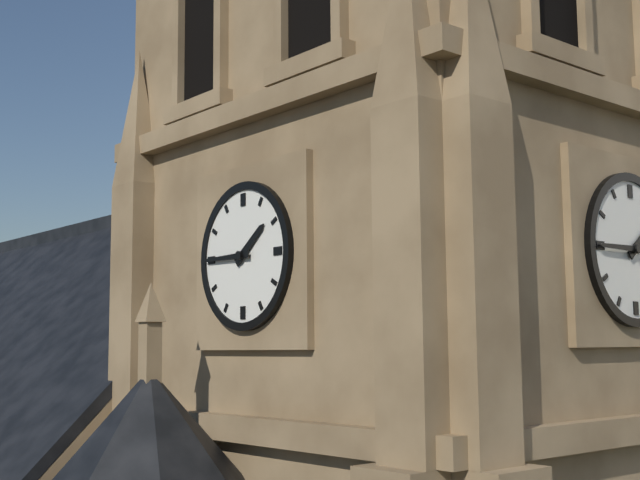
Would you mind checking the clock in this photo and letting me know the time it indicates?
1:45
